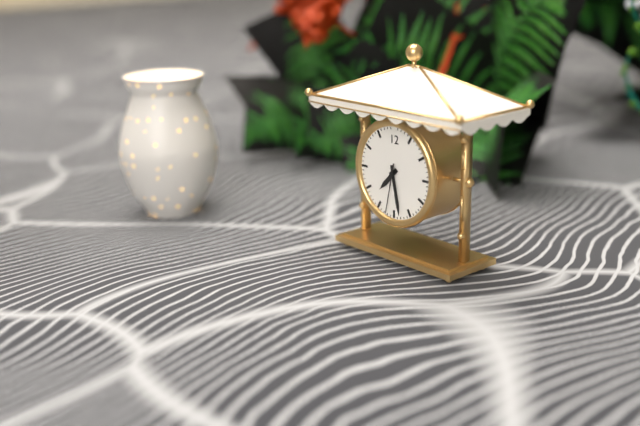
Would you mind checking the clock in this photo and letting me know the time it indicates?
7:28:32
